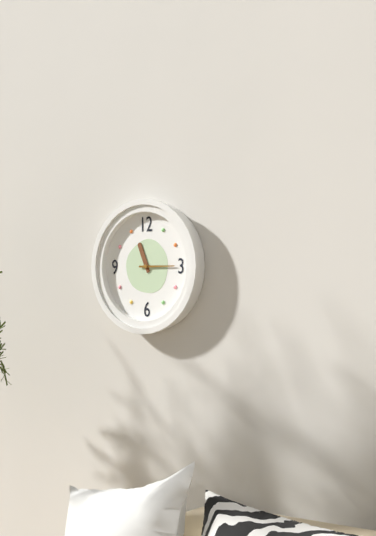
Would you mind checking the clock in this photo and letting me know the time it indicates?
11:15
